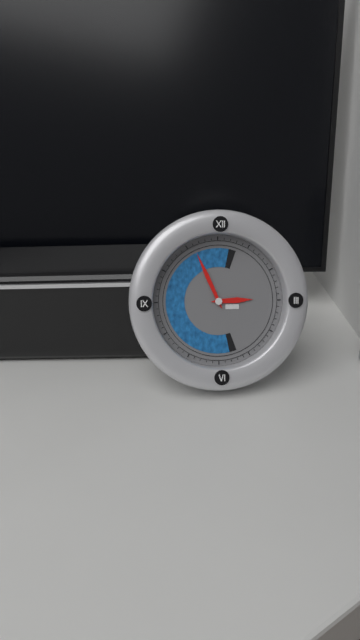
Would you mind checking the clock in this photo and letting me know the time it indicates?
2:56
